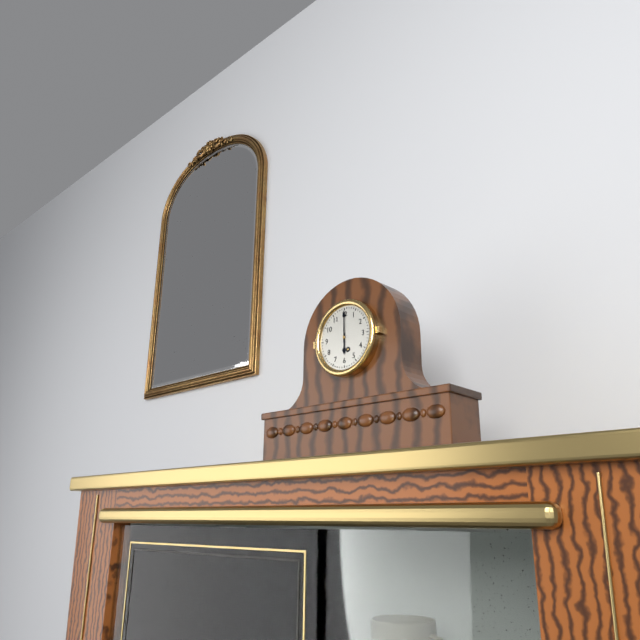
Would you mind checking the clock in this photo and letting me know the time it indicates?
6:00
